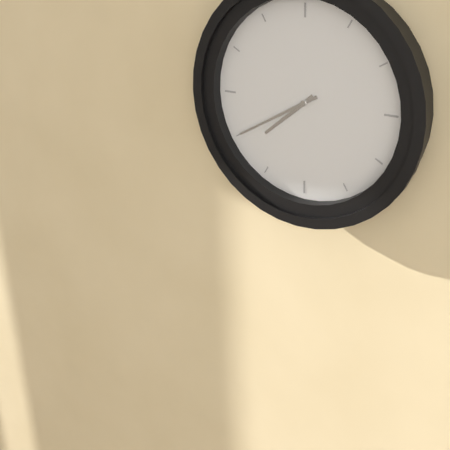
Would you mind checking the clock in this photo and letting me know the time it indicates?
7:40
